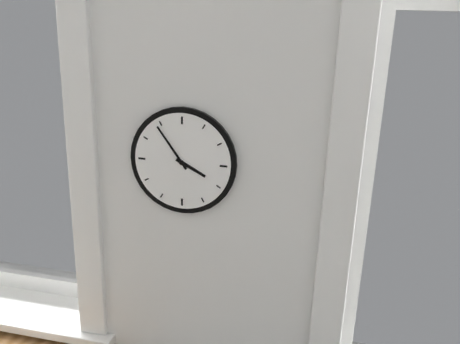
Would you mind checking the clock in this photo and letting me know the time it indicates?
3:54
